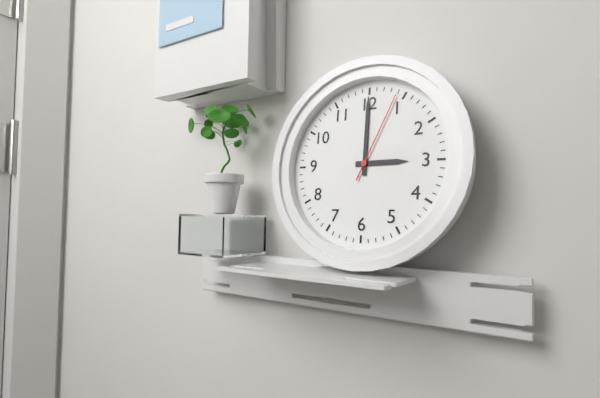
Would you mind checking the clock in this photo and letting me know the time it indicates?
3:00:04
